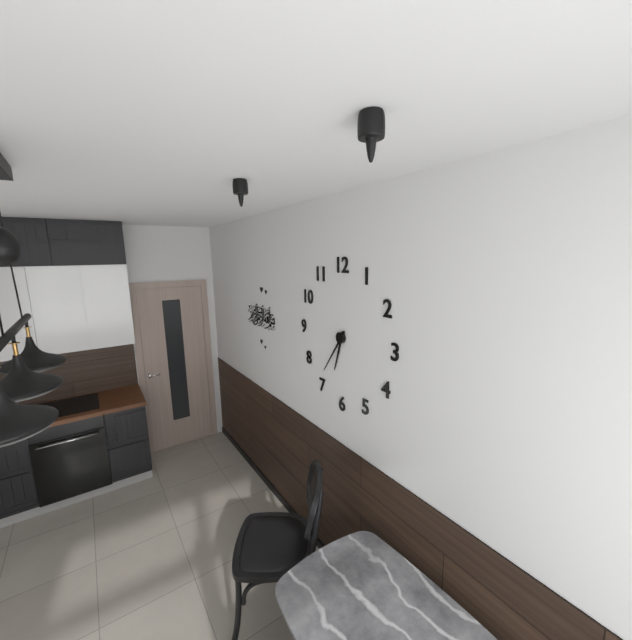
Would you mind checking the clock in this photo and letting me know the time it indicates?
6:36
